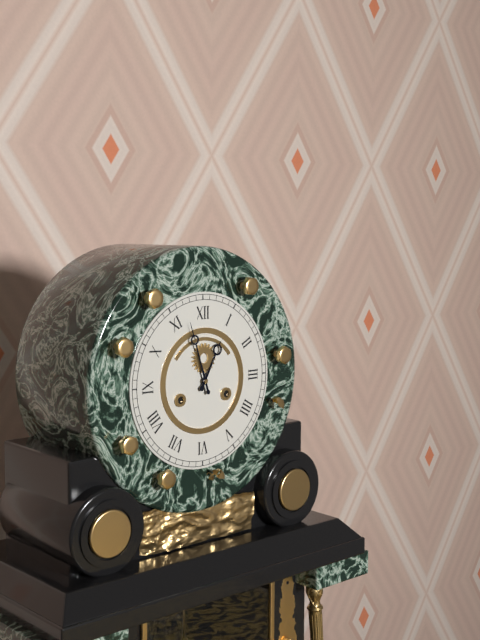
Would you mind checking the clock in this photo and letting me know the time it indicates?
12:57
